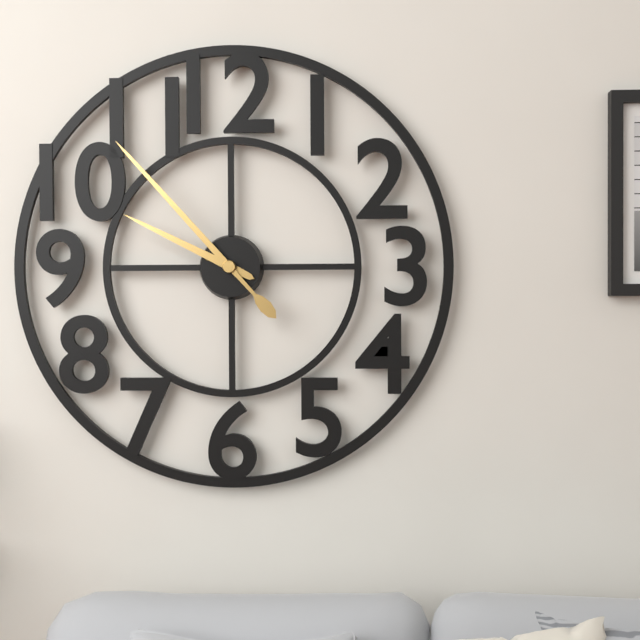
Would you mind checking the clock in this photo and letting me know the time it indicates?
9:53
